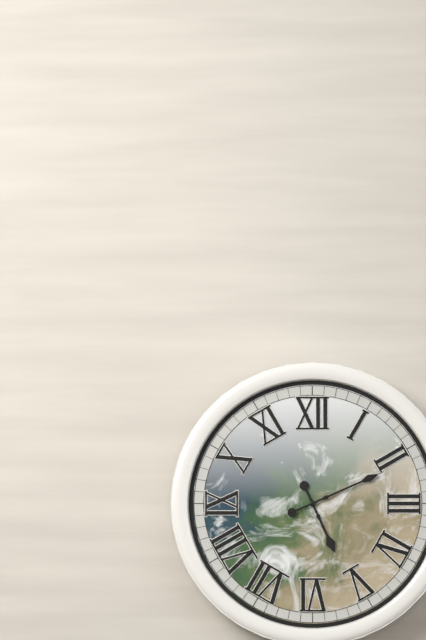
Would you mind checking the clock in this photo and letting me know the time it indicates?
5:11:11
